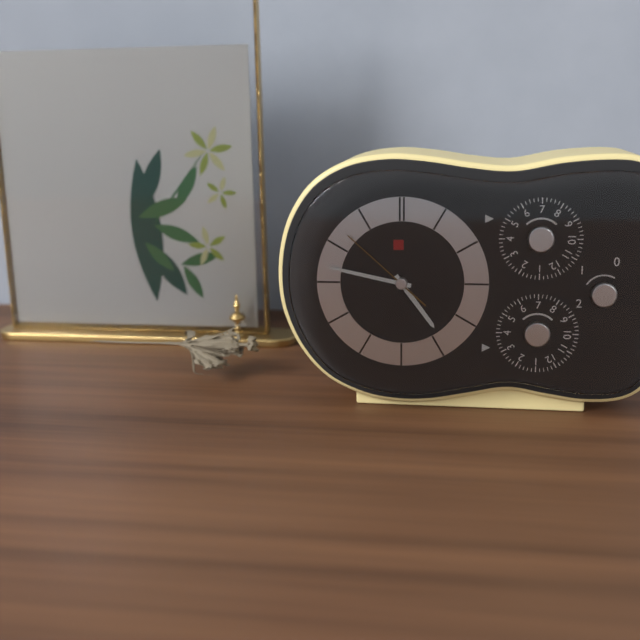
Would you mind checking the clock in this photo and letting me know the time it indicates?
4:47:52
